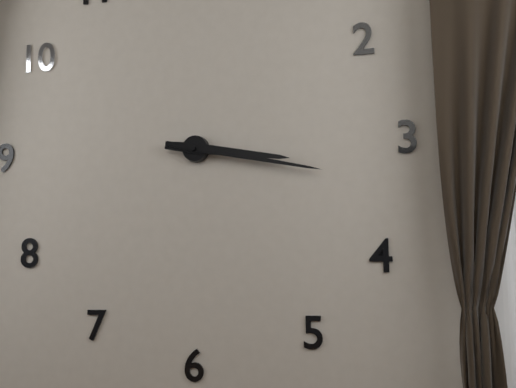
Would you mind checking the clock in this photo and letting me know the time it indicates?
3:17
